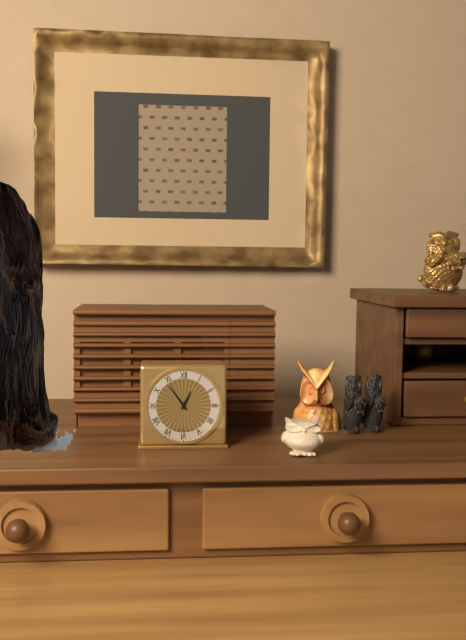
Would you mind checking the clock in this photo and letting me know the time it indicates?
12:54
